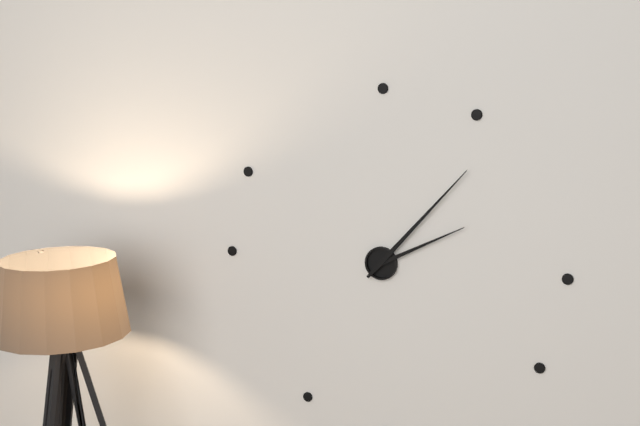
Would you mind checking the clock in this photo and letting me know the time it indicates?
2:07
